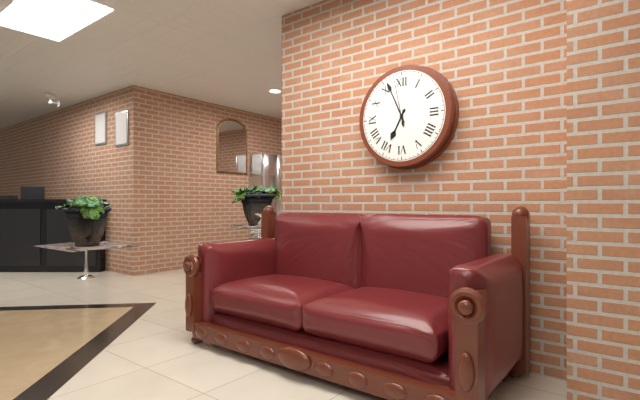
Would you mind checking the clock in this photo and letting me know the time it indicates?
6:56:58
